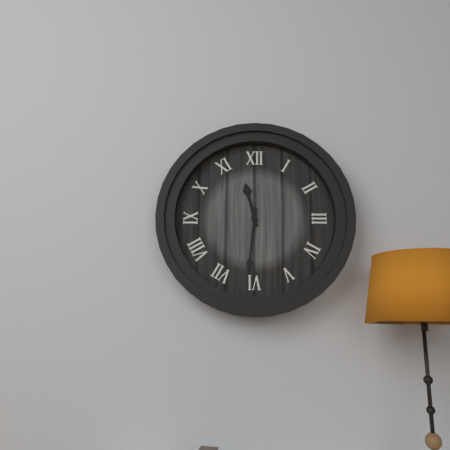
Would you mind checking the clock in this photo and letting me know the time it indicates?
11:31
